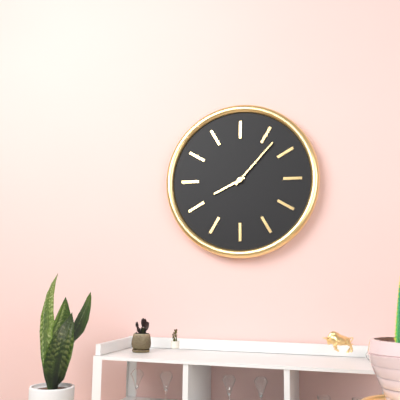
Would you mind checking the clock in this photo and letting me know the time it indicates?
8:07
